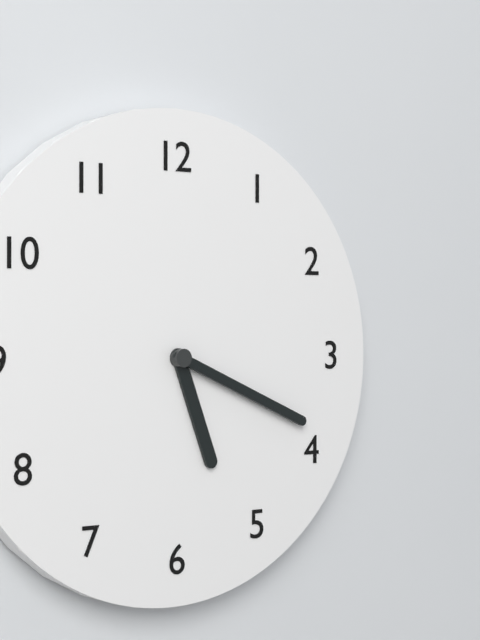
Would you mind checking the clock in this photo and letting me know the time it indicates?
5:19
